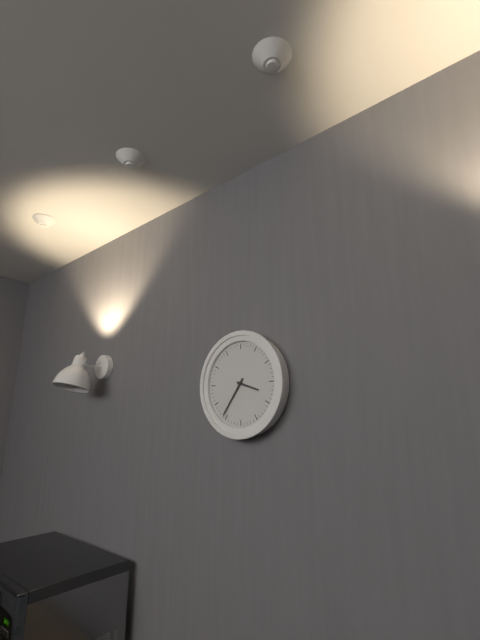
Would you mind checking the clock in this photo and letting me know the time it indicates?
3:36
